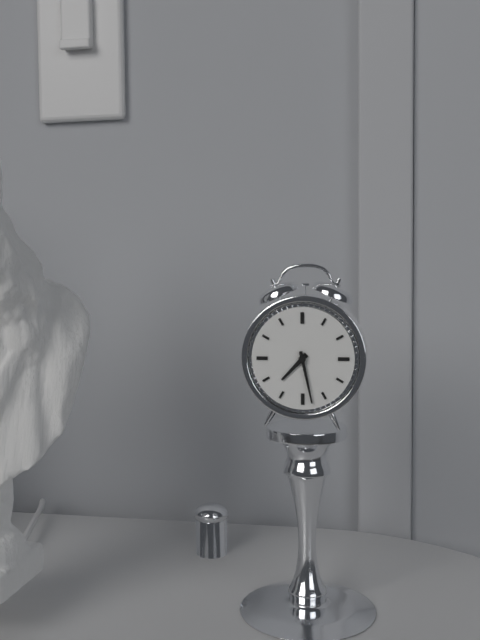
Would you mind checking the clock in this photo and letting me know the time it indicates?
7:28
